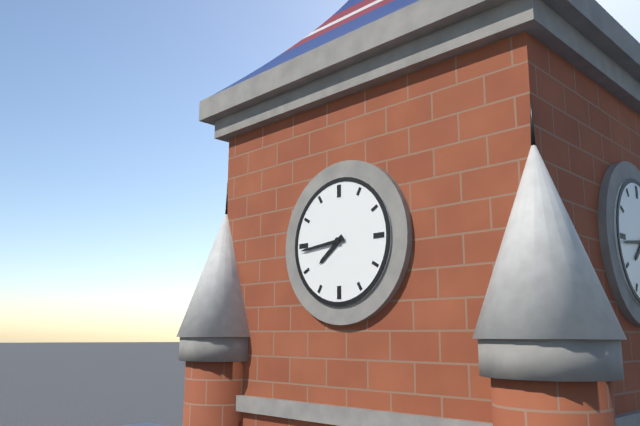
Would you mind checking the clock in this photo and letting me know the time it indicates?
7:44
